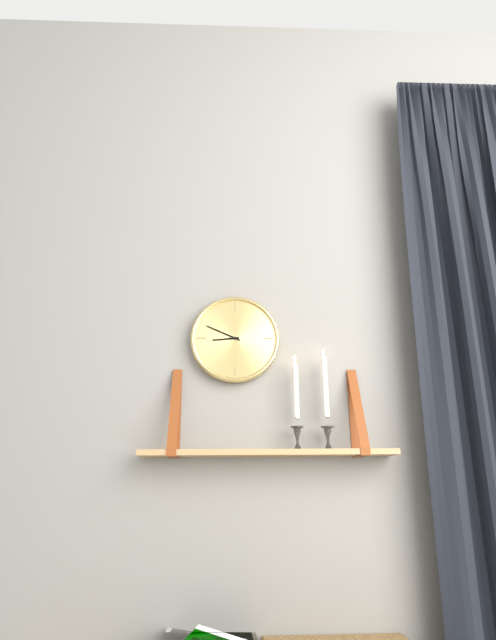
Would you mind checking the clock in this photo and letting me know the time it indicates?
8:49
